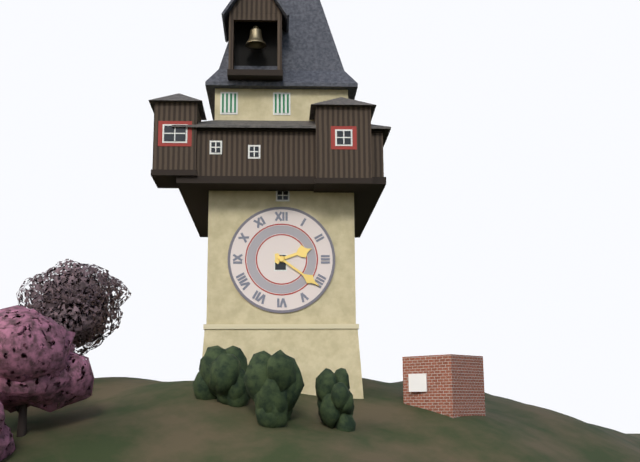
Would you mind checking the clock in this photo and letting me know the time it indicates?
2:21
